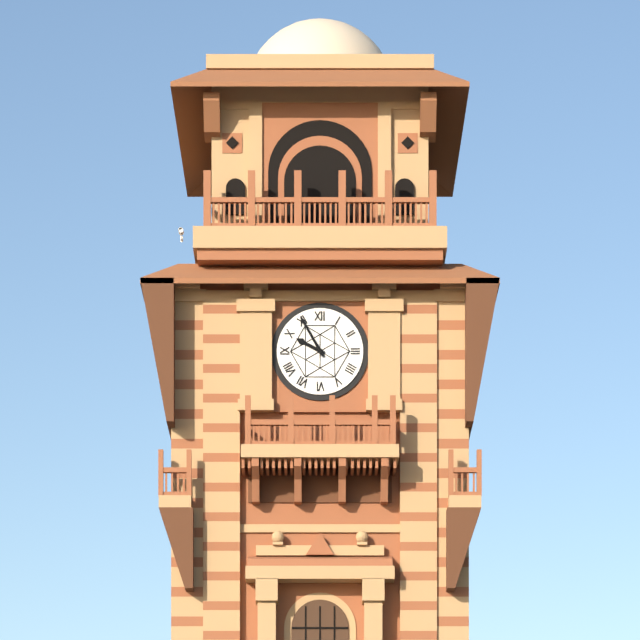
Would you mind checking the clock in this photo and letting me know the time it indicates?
9:55
